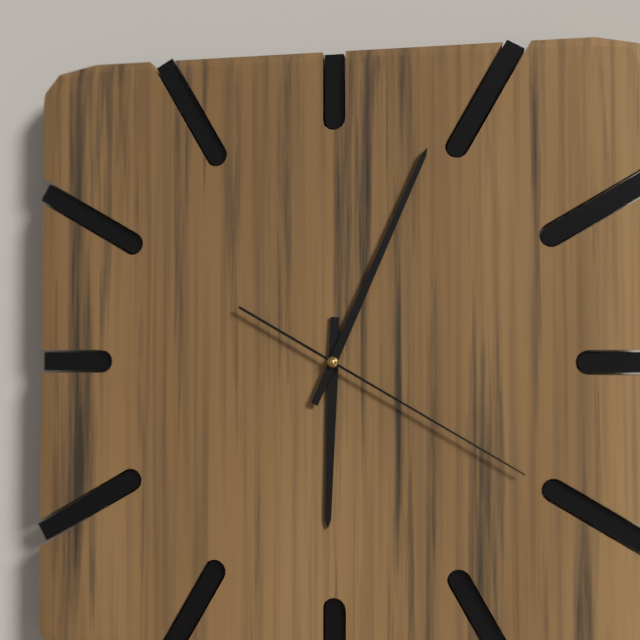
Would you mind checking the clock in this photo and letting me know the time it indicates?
6:04:20
